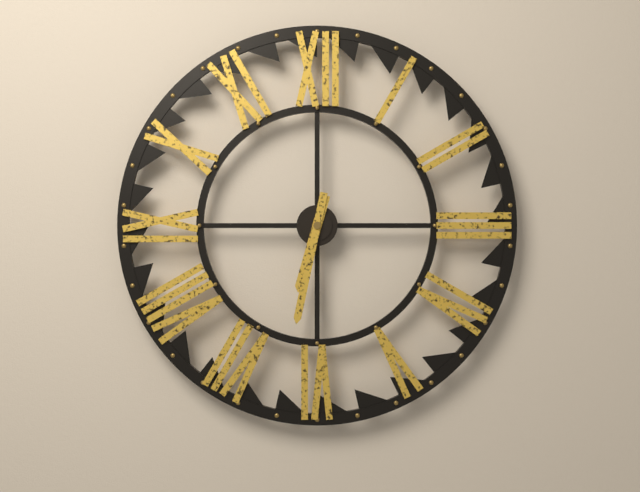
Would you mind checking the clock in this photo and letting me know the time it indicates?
6:32
